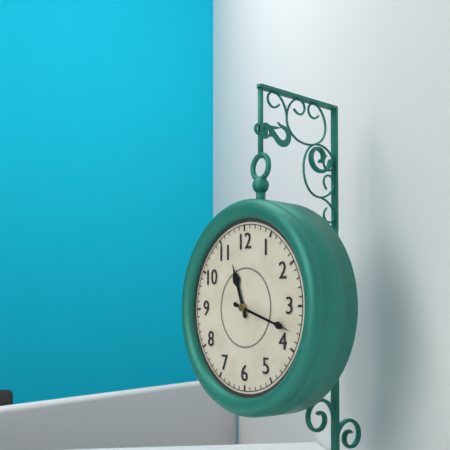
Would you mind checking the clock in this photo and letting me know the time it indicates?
11:18
